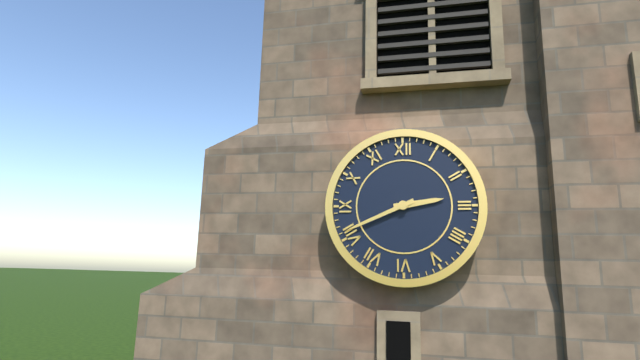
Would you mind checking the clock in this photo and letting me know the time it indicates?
2:41
